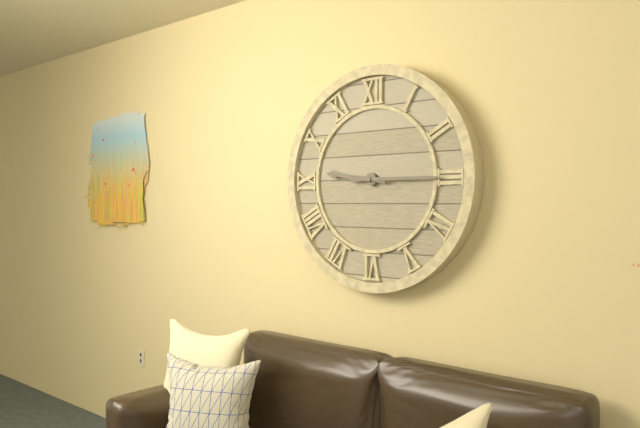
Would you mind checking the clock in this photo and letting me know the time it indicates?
9:15
